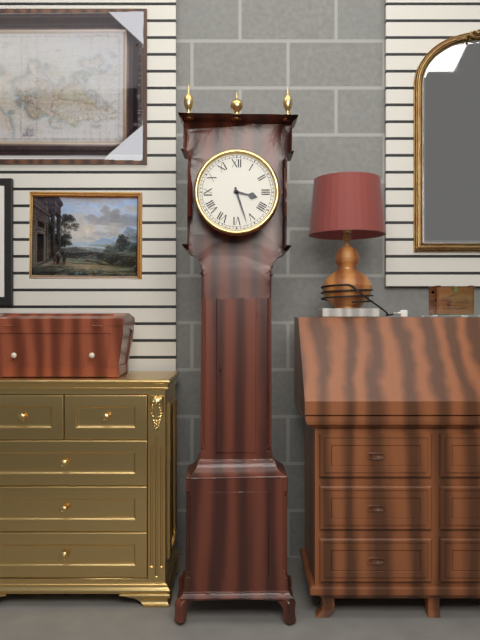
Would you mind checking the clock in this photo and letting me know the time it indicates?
3:27
